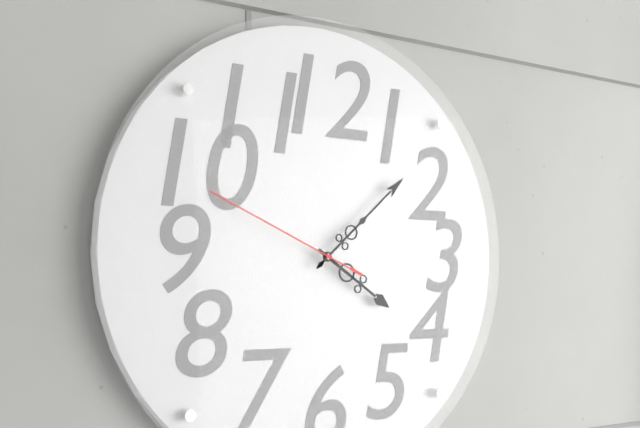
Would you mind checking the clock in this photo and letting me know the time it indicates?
4:08:49
